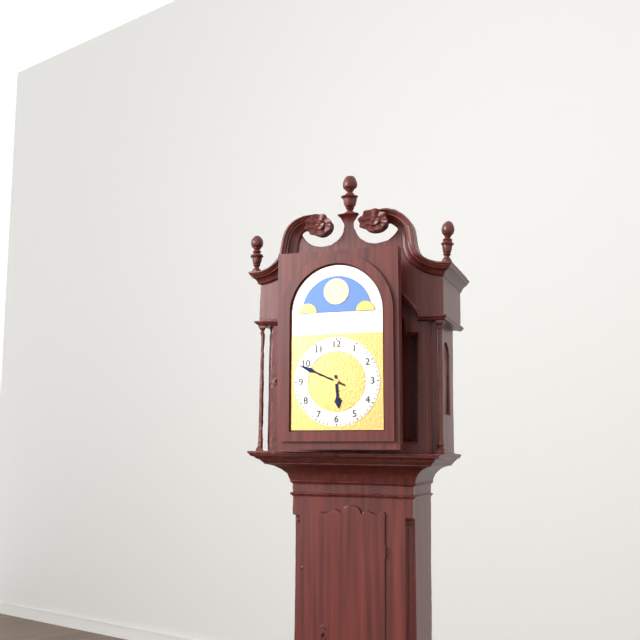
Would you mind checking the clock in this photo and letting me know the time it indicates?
5:49
